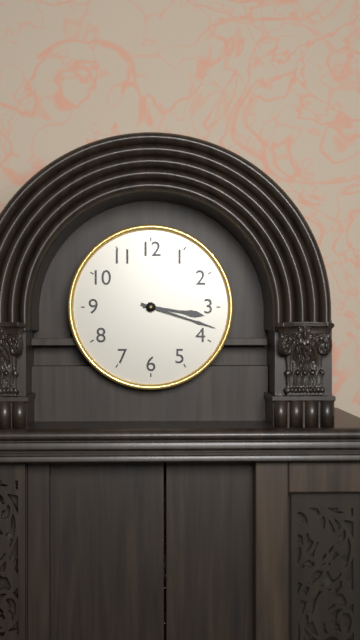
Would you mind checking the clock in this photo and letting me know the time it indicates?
3:18
